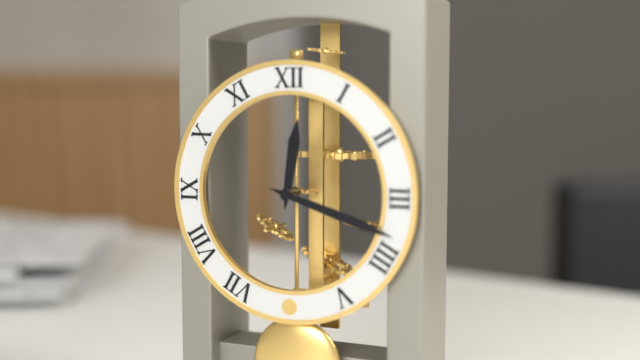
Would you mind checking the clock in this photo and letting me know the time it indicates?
12:18
